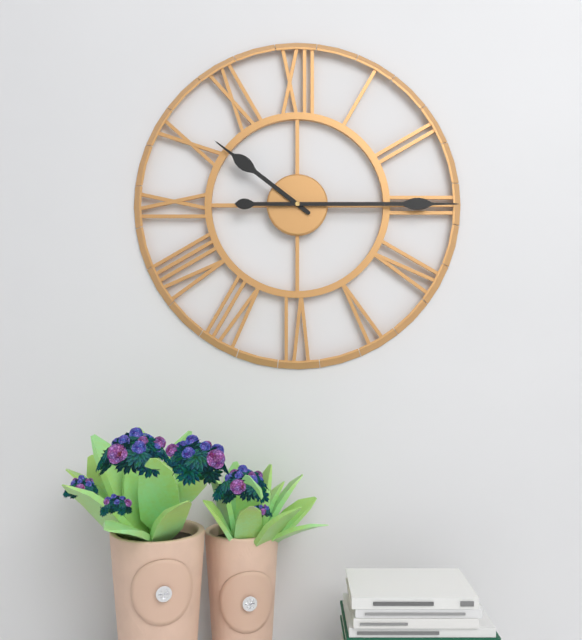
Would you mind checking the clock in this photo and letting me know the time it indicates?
10:15
